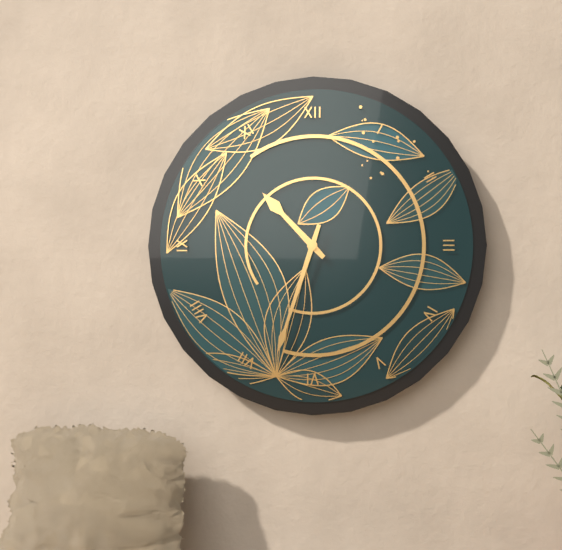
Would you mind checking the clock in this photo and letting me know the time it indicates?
10:33
